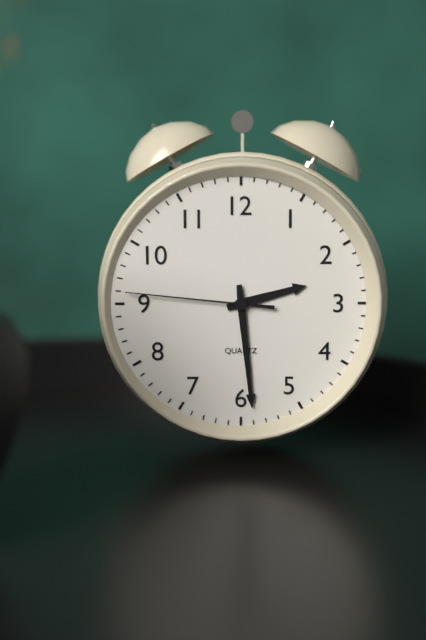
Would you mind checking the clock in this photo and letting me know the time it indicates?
2:29:46
